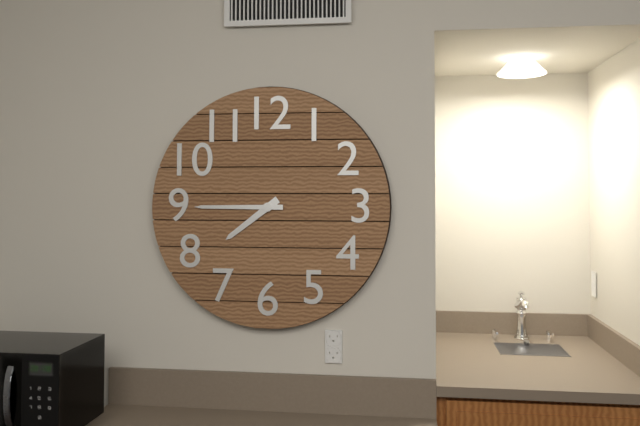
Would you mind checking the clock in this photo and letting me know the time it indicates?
7:45
